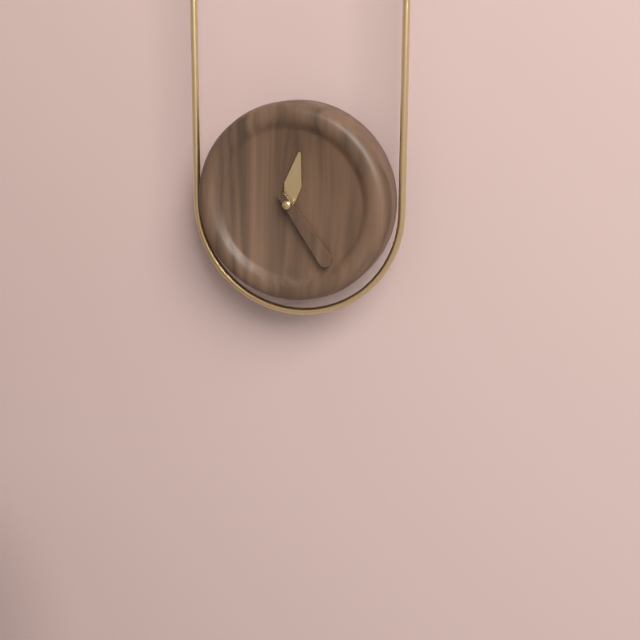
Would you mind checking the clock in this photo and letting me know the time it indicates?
12:24
